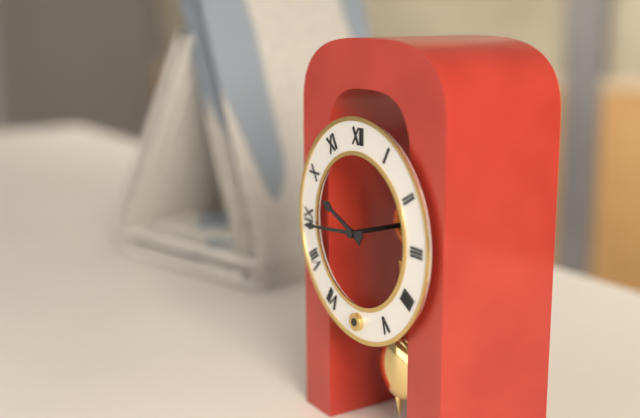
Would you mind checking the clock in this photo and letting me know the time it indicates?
9:44
